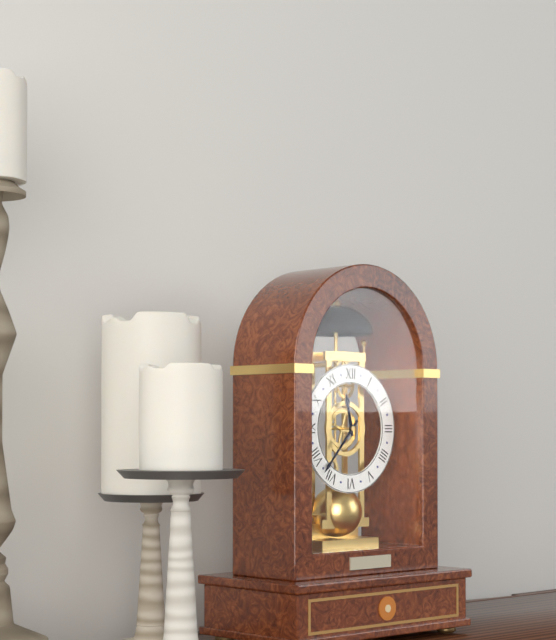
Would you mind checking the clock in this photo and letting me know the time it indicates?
11:37
